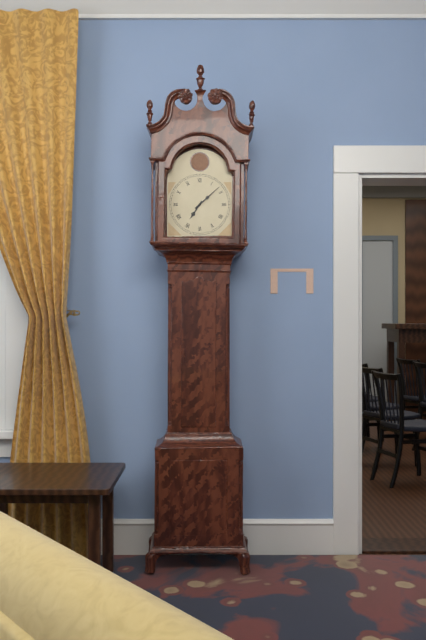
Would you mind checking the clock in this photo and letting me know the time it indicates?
7:08
